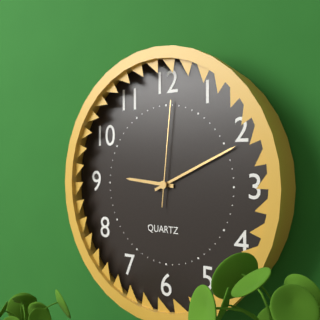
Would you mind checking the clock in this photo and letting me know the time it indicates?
9:11:01
